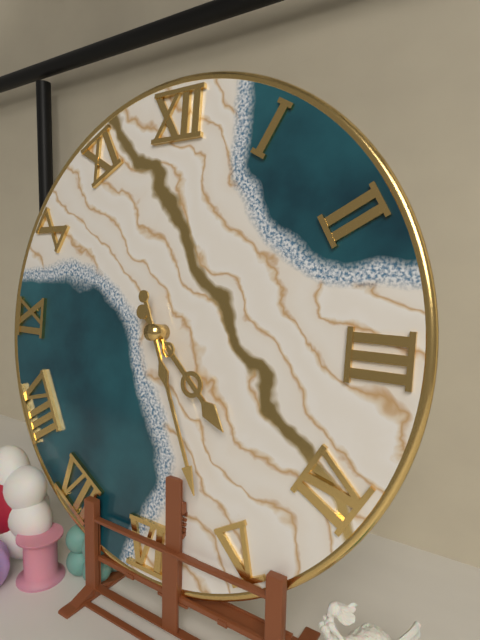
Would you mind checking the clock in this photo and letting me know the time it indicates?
4:26
